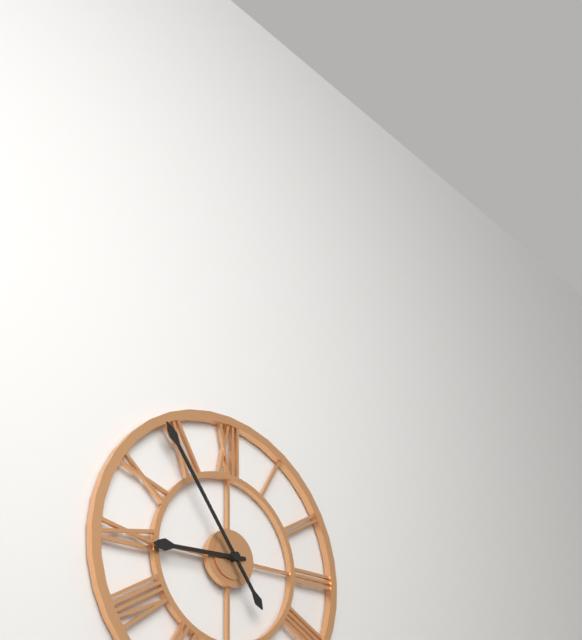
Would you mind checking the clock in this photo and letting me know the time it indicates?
8:54
